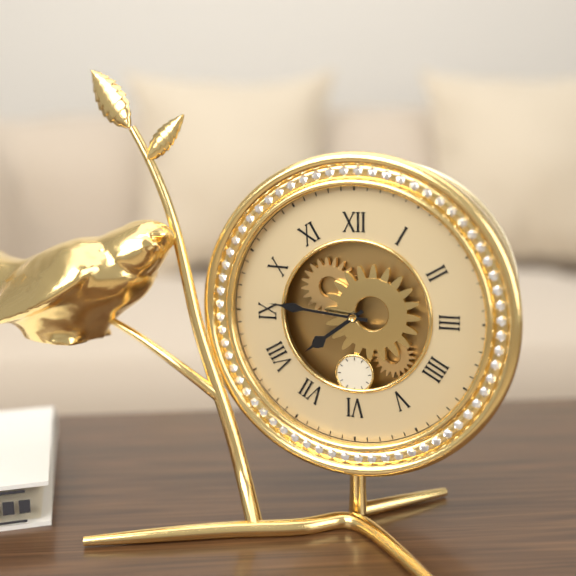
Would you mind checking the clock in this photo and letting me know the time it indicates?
7:46
